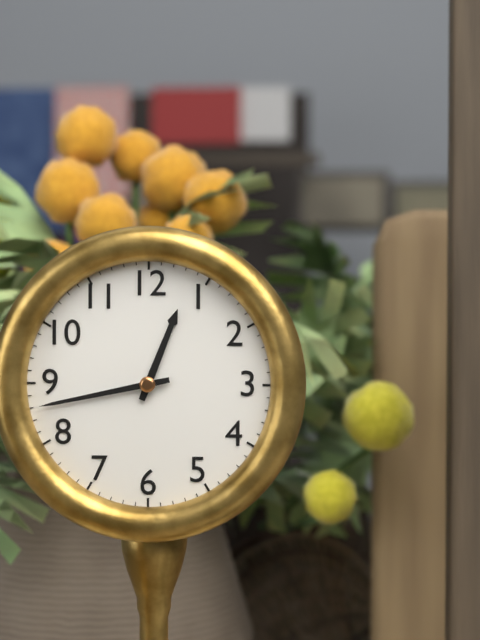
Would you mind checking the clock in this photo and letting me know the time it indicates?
12:43
